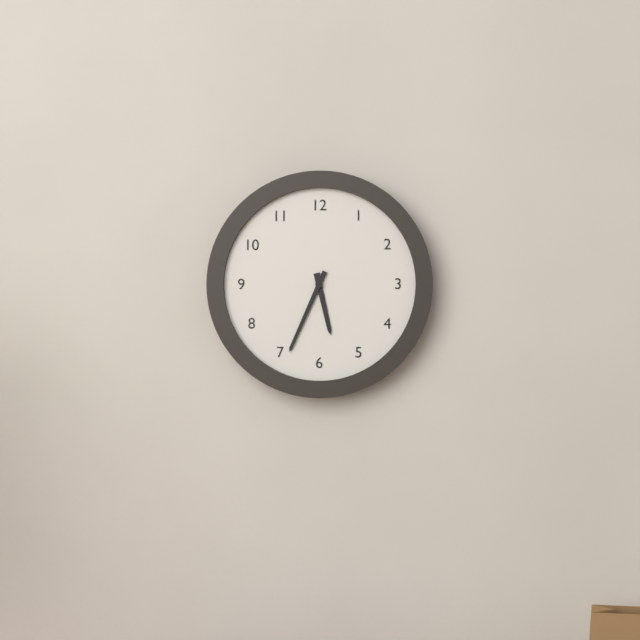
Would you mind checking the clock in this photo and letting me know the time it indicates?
5:34
